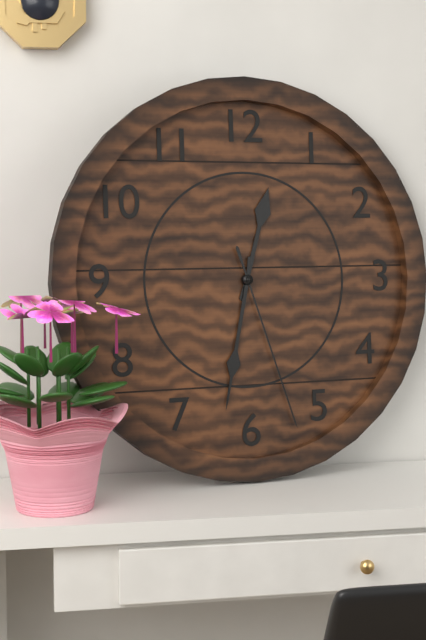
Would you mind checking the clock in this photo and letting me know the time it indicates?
12:32:27
